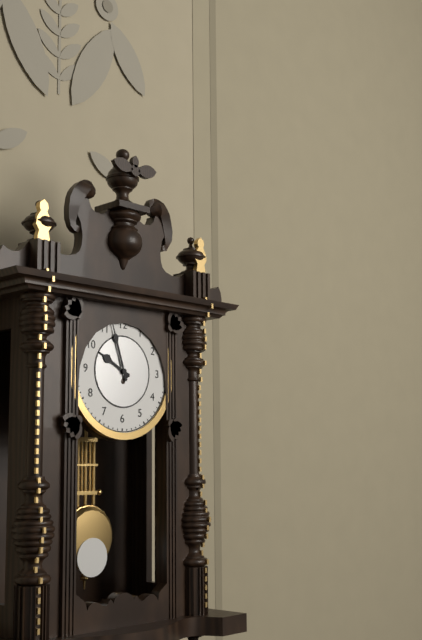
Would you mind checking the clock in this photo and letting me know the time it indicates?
9:57
